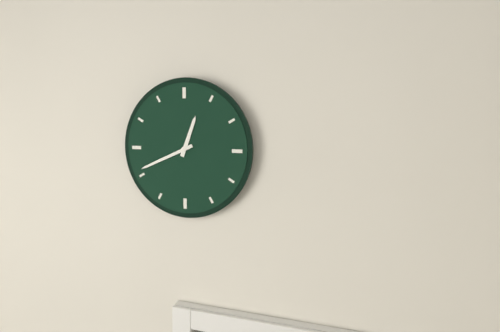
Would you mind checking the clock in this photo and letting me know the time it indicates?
12:41
